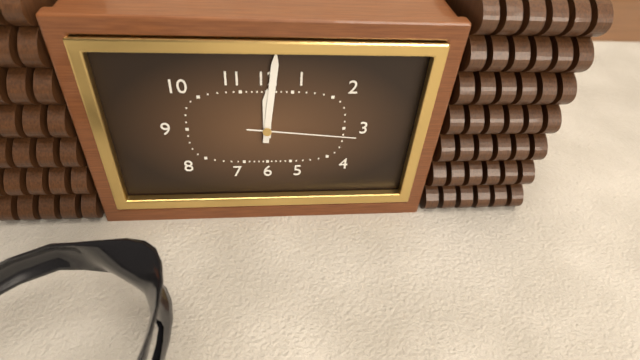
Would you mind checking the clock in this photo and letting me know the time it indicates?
12:01:16
